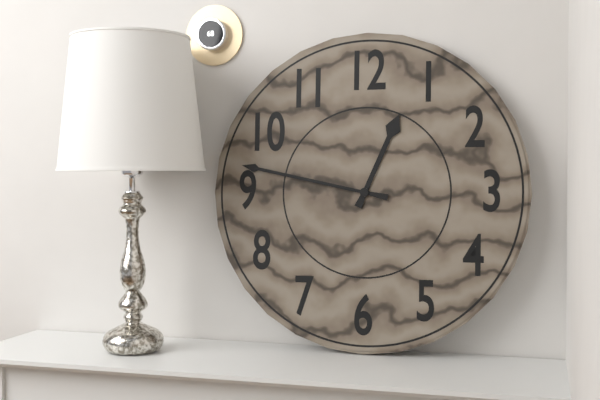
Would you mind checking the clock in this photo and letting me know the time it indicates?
12:47
